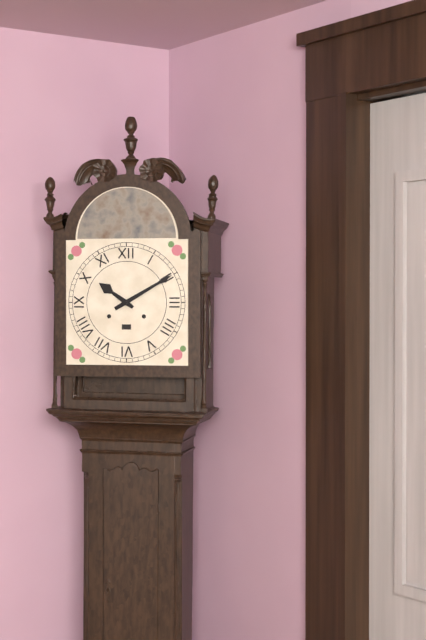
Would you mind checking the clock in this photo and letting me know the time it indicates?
10:10
